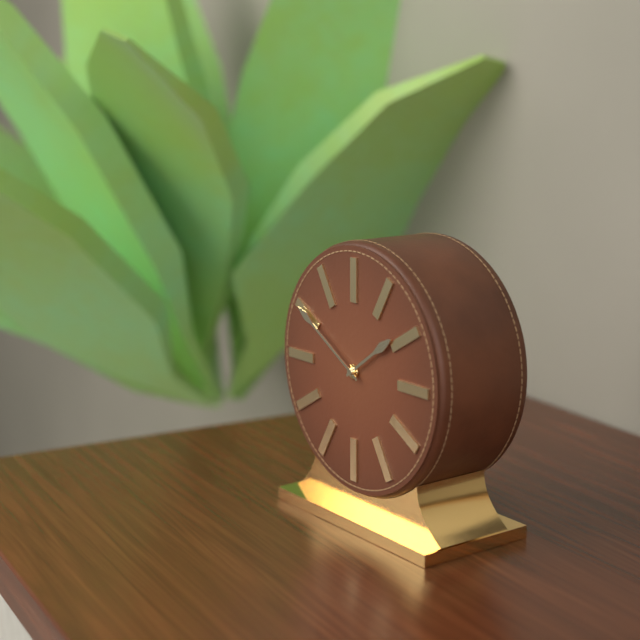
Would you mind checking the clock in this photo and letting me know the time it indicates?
1:50
